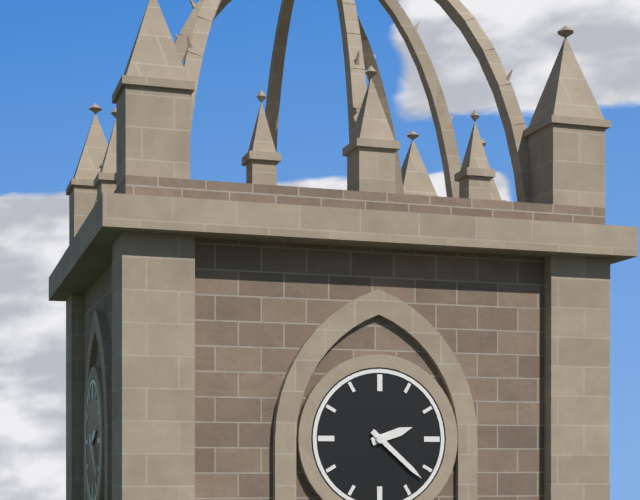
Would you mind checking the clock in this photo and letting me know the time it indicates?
2:22
